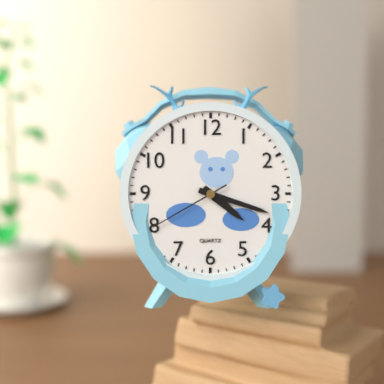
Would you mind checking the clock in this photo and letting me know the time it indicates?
4:18:40
